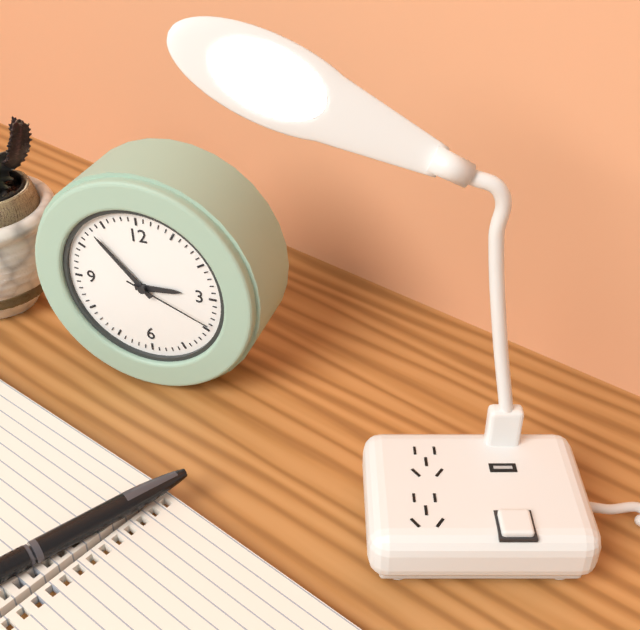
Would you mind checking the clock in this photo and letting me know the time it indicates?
2:53:19
